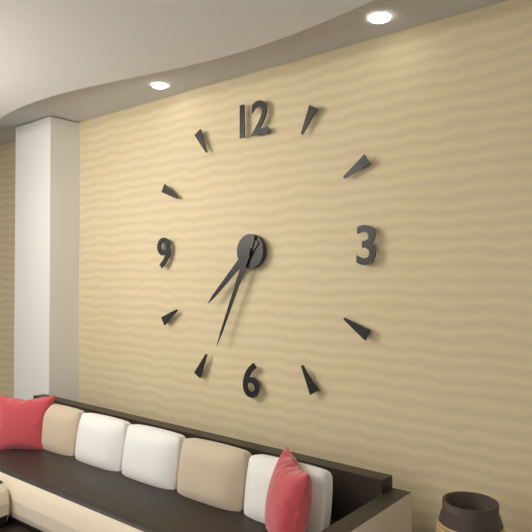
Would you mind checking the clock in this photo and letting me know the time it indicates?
7:34
